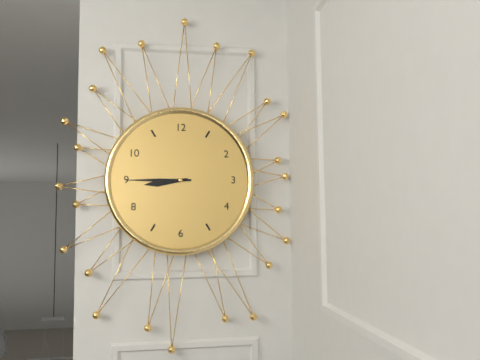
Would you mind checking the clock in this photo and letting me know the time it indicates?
8:45
